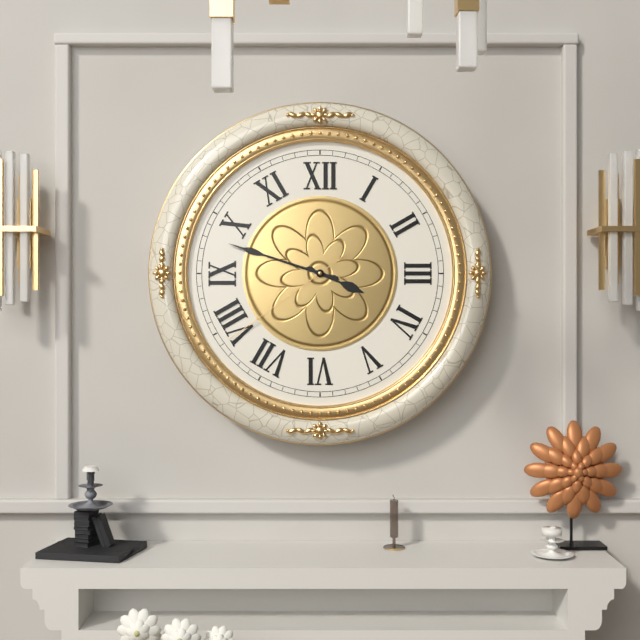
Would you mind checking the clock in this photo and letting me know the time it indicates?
3:48:39
